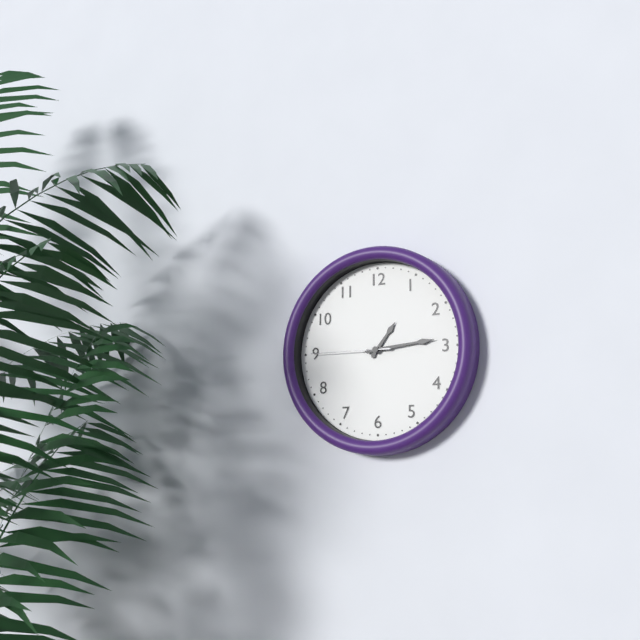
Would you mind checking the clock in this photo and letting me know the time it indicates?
1:14:45
